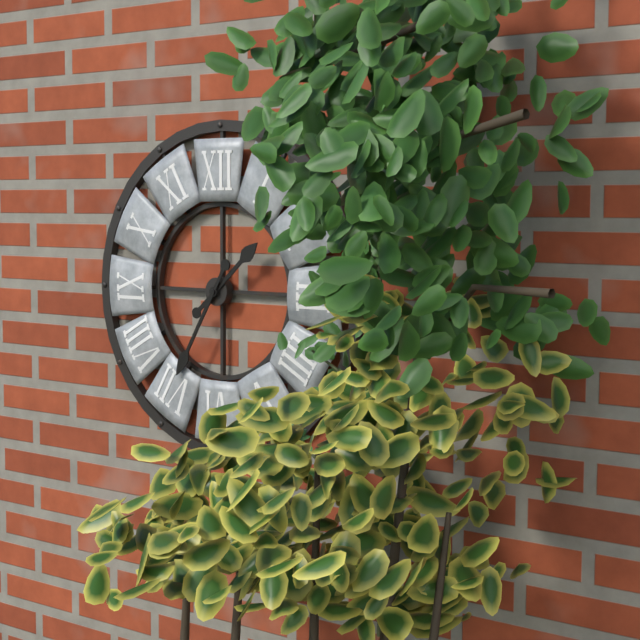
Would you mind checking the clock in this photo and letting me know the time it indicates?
1:35
